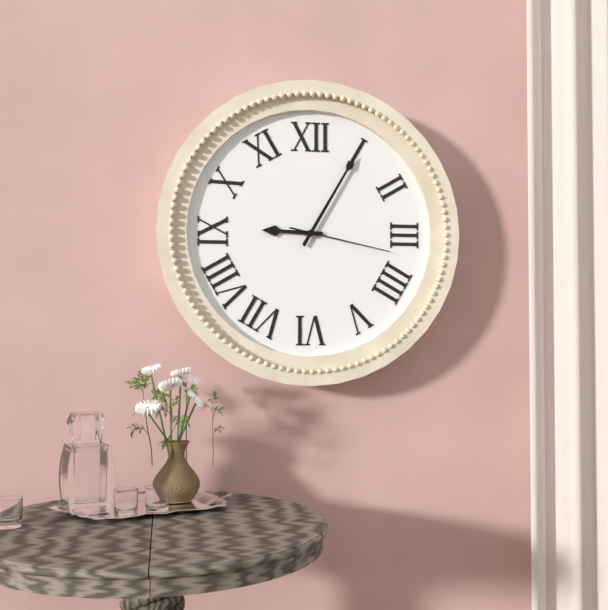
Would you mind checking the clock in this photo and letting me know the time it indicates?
9:05:17
